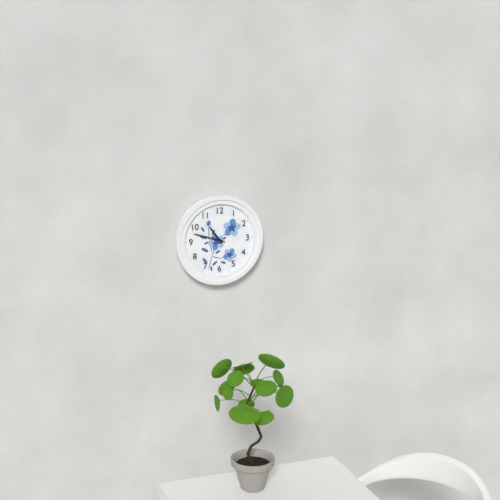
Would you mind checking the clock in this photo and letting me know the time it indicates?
10:48
